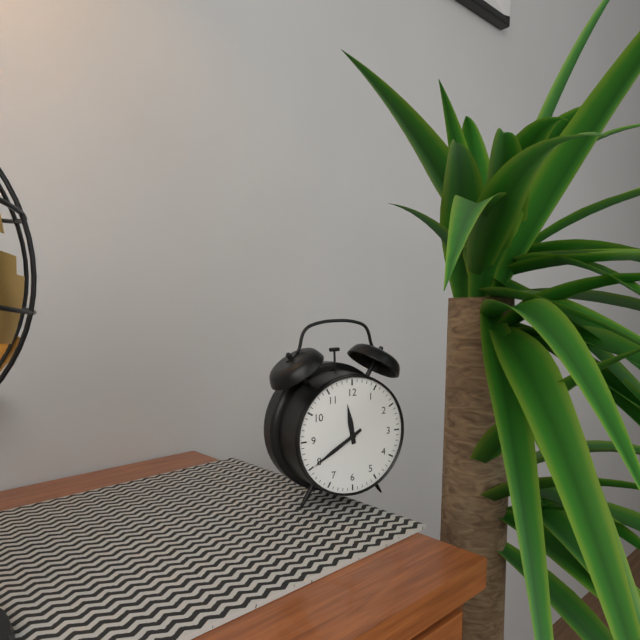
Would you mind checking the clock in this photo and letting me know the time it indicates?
11:40
